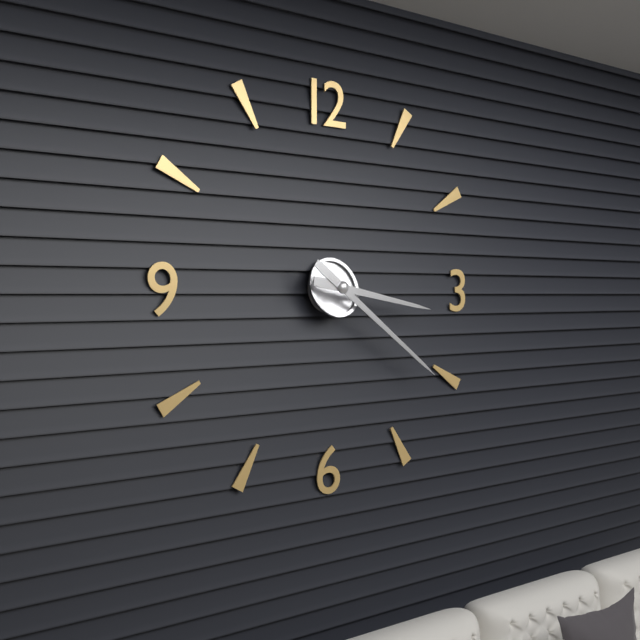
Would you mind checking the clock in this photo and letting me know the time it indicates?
3:21
